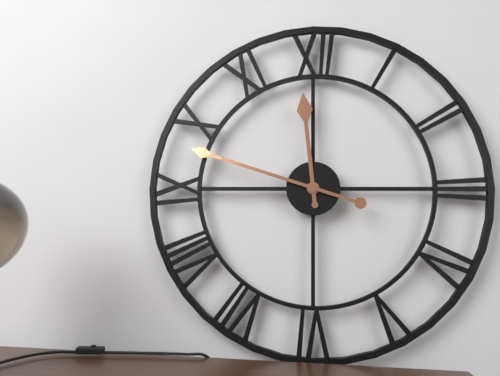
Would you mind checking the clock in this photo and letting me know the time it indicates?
11:48
